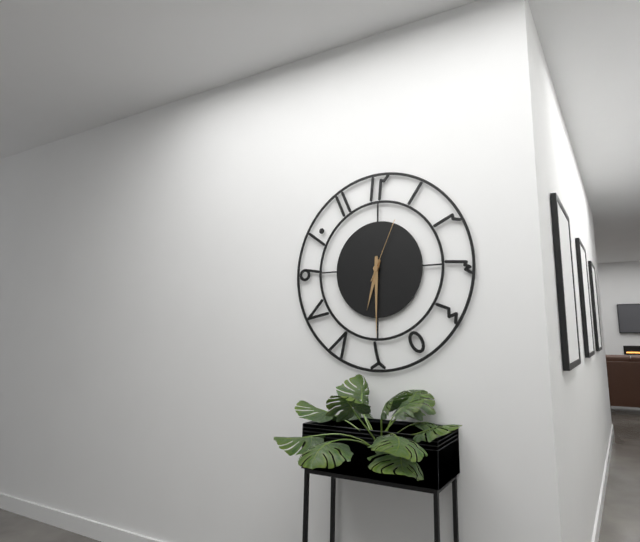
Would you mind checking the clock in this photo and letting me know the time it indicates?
6:30:04
